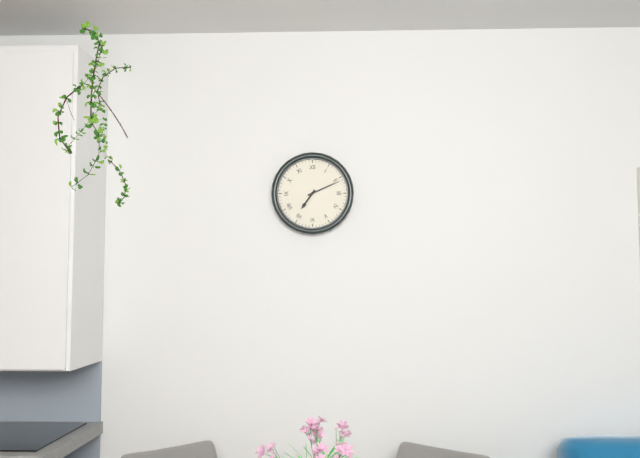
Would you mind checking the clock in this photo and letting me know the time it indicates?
7:11
